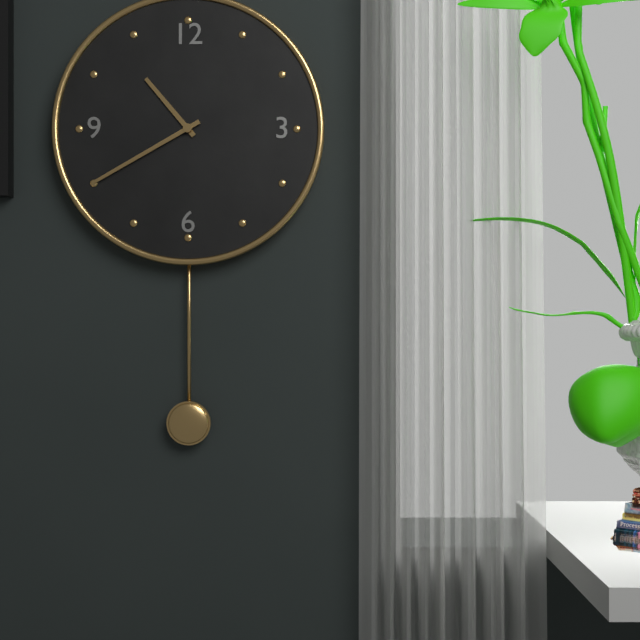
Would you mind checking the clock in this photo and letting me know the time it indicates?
10:40
